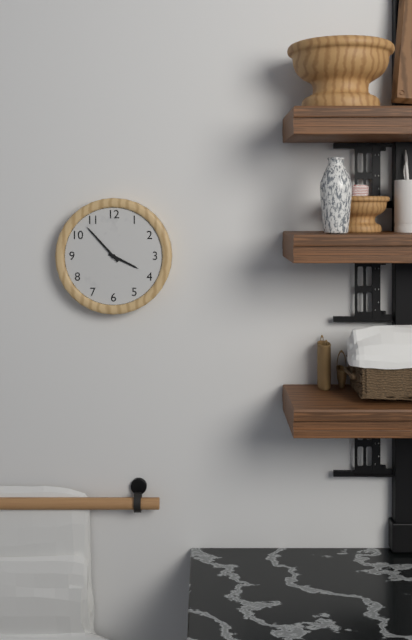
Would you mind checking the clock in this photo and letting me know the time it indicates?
3:53
